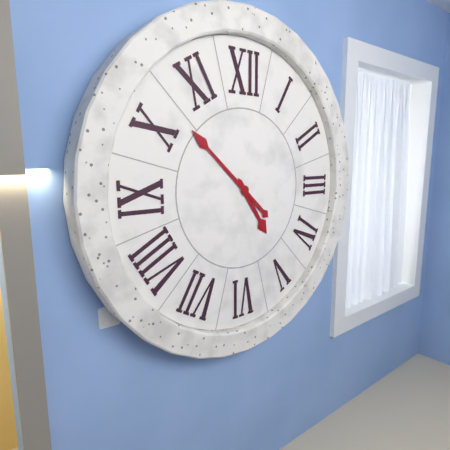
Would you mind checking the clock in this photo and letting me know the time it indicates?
4:52
